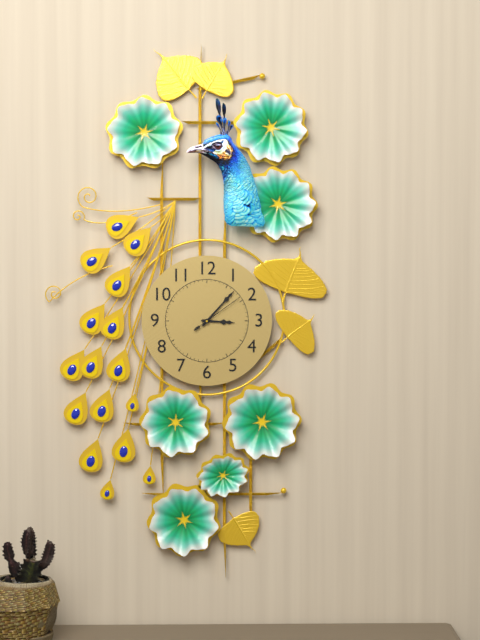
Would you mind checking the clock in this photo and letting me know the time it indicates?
3:07:09
